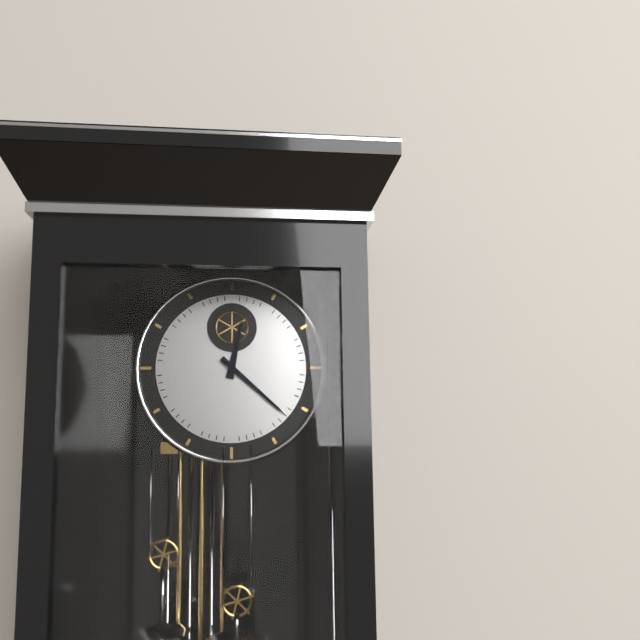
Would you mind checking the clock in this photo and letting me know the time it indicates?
12:22
